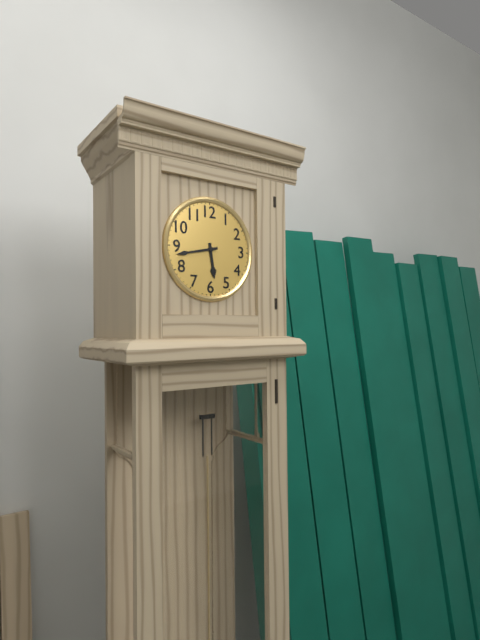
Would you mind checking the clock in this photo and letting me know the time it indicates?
5:43
